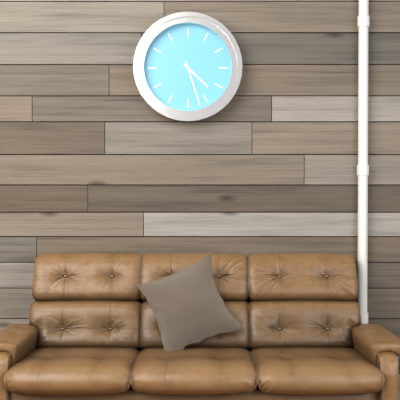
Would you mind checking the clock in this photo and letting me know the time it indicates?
4:27
